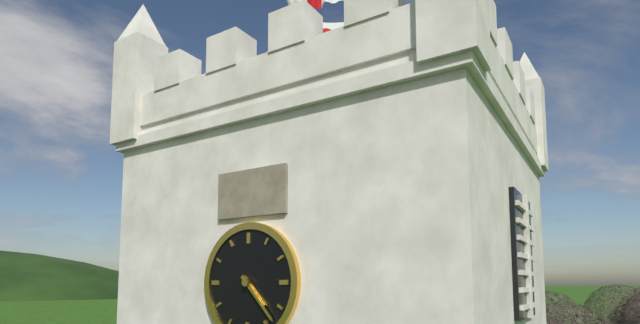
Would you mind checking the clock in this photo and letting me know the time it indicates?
4:23
